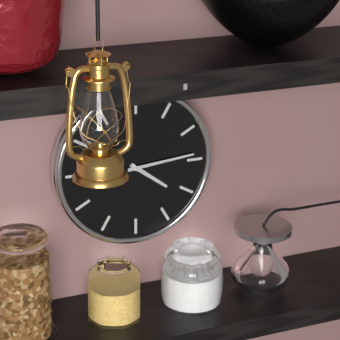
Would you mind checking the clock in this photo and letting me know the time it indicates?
4:14
